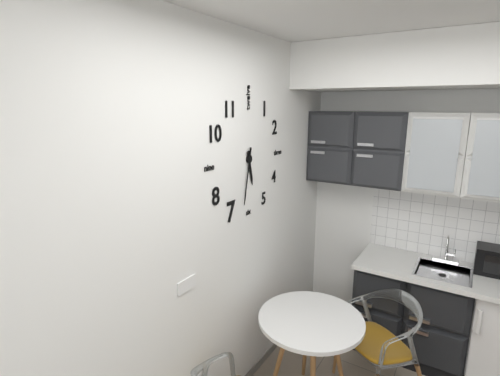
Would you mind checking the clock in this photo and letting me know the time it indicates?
5:32
